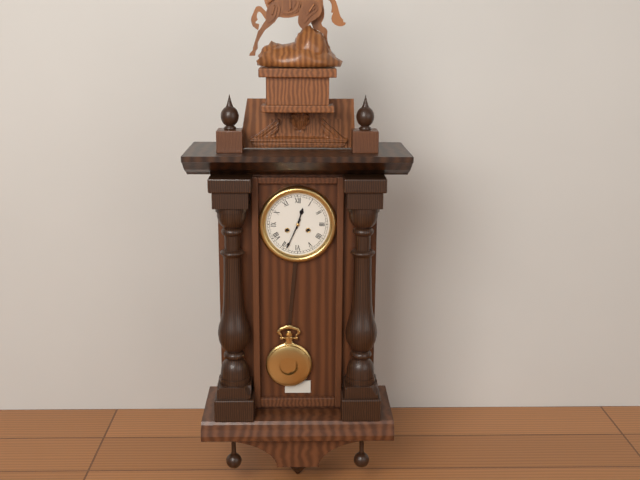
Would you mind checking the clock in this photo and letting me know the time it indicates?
12:34
